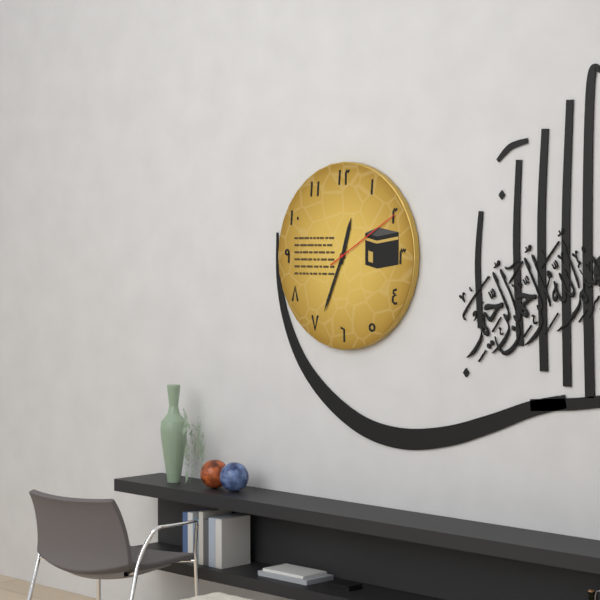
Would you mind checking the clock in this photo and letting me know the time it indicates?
12:34:10
